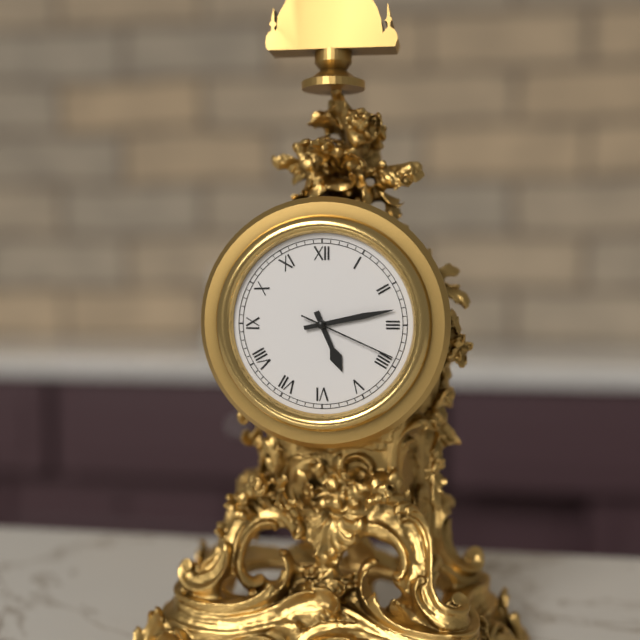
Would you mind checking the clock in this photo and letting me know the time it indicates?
5:13:19
